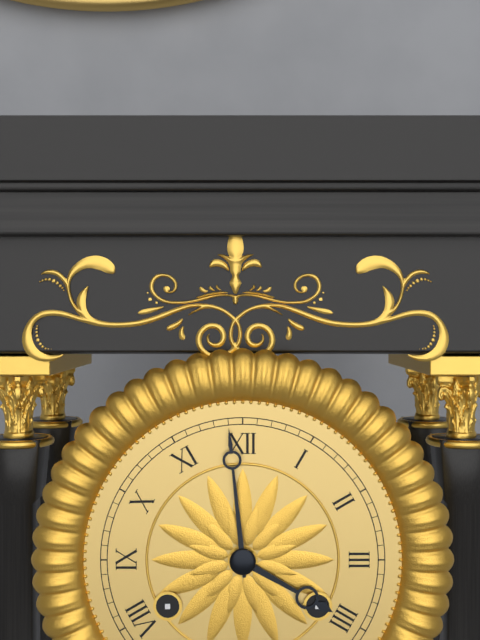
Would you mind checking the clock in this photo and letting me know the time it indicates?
3:59
